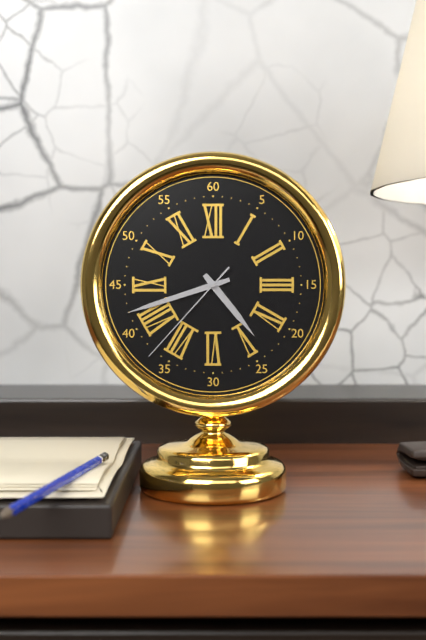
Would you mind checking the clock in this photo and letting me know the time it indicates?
4:42:37
